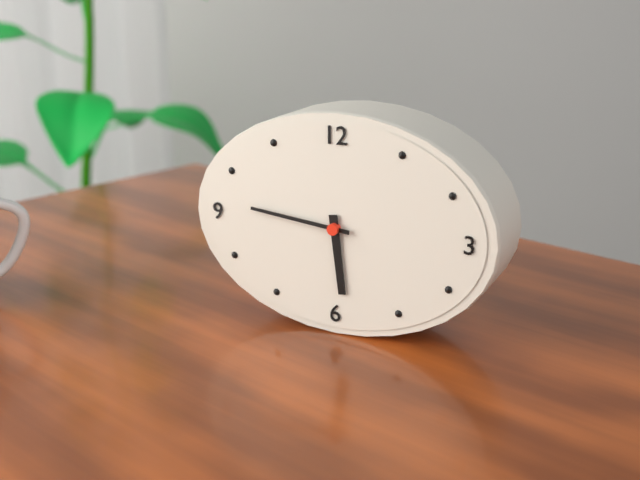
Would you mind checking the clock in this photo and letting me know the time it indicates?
5:46
